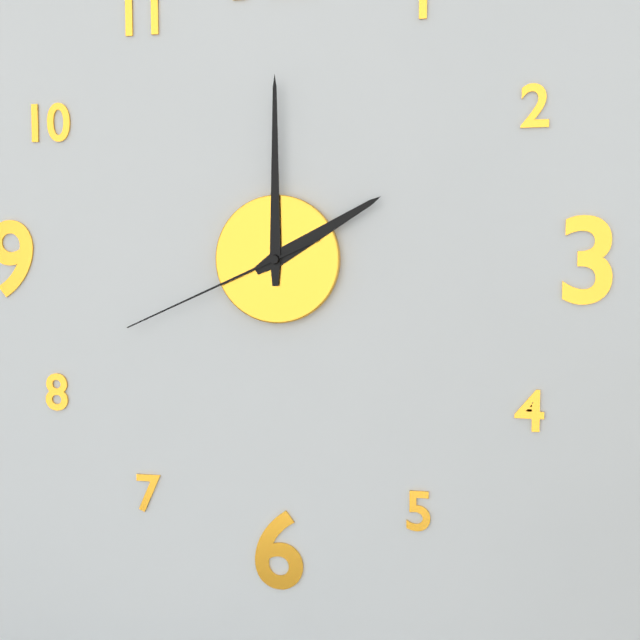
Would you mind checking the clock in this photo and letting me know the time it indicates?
2:00:41
